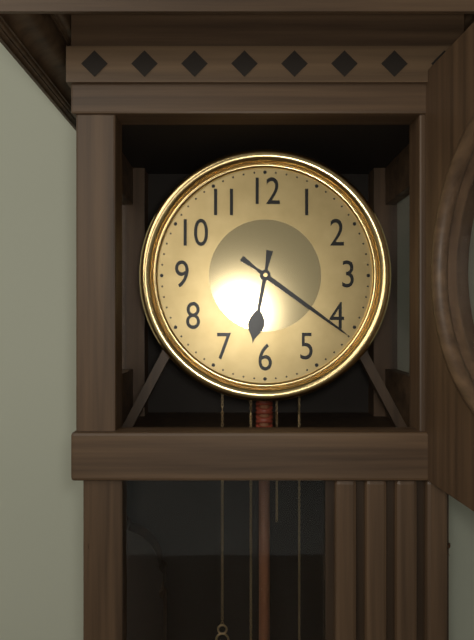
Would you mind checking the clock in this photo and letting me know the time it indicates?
6:21
